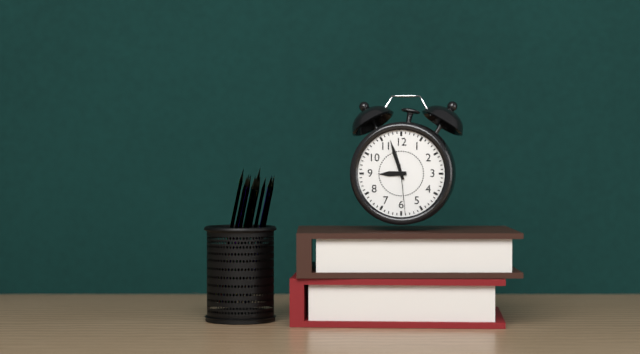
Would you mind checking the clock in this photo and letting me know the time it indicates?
8:57:29
